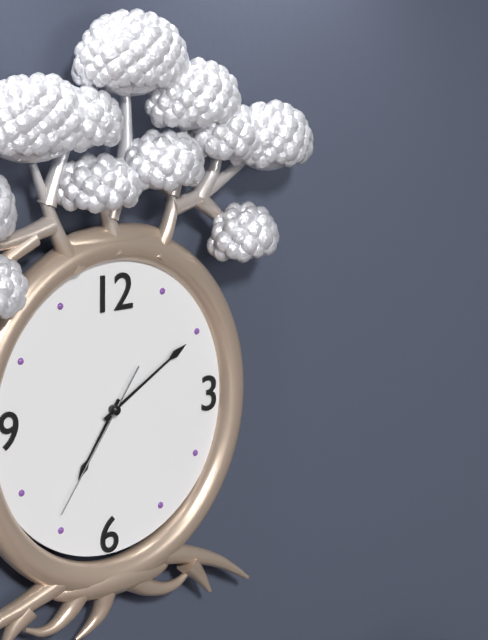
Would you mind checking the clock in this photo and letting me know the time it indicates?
7:10:36
